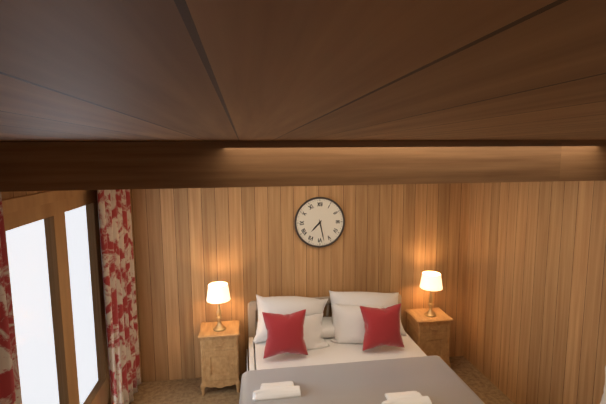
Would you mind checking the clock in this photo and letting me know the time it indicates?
7:28
